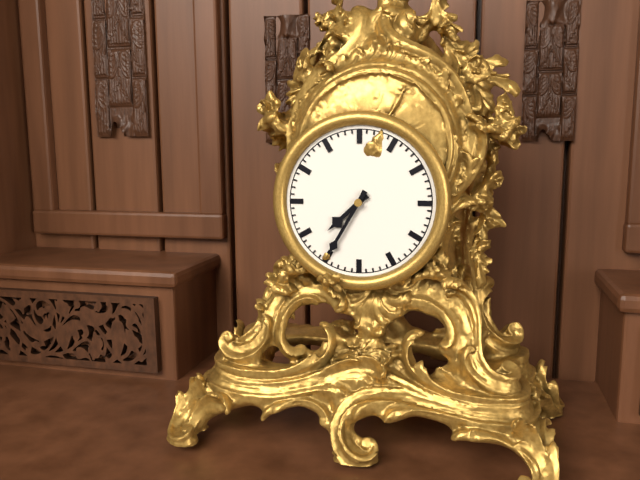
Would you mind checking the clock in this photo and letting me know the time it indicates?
7:35
